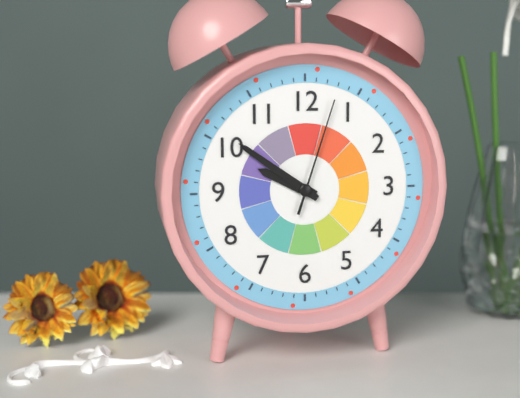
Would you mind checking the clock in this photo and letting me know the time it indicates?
9:51:03
